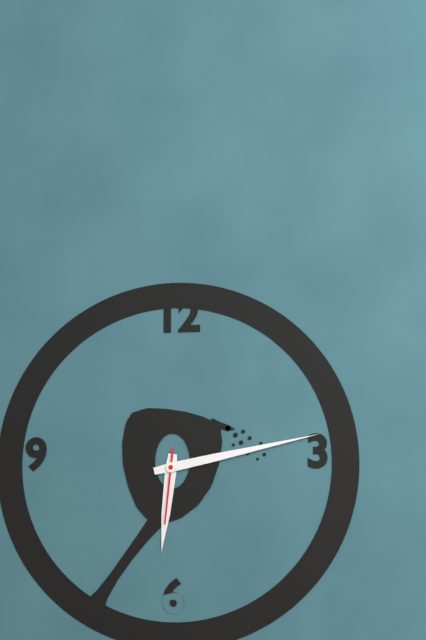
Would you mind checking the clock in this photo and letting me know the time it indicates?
6:13:31
